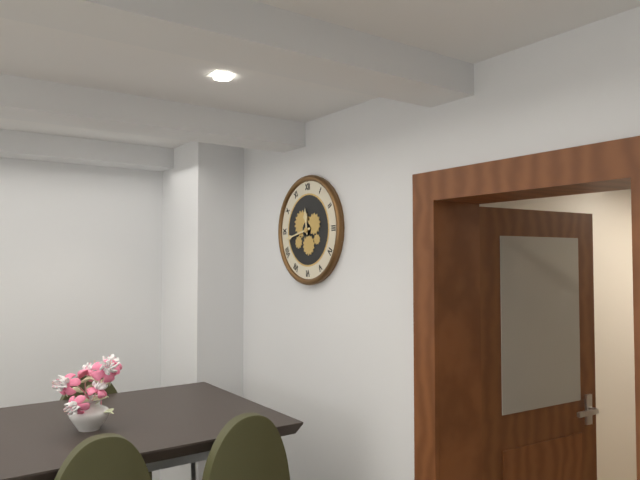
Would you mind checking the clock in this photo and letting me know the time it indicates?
11:43
